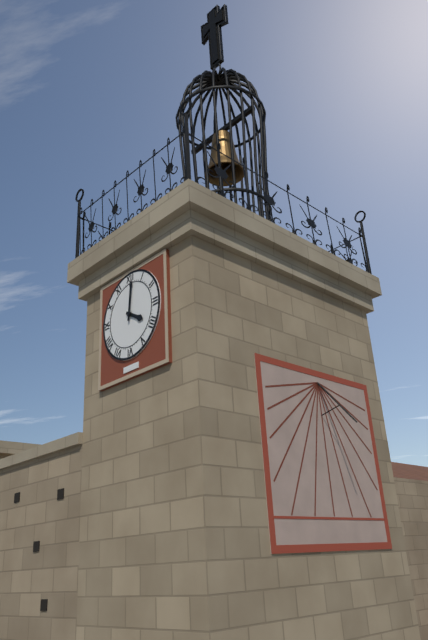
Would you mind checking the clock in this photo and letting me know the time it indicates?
4:01
